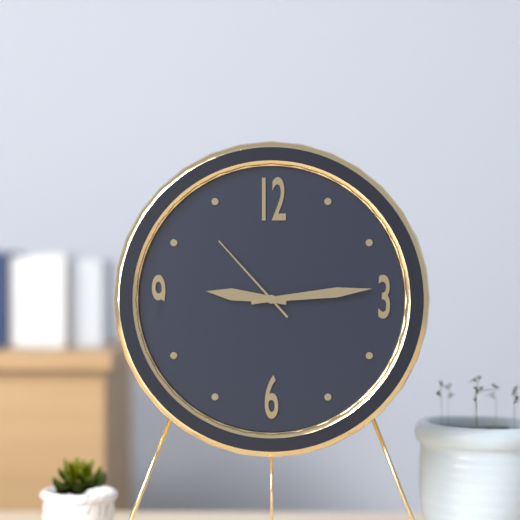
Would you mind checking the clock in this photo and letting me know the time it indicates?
9:14:53
